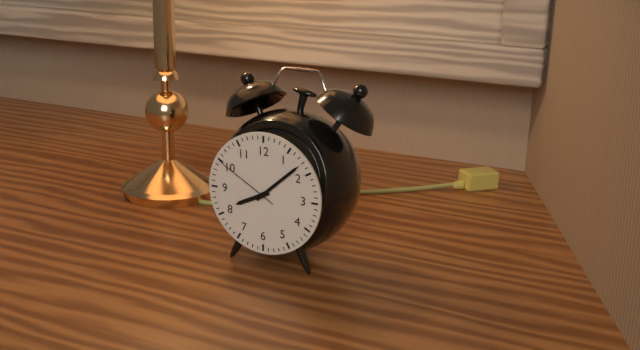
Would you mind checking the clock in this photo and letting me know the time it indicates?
8:08:50
